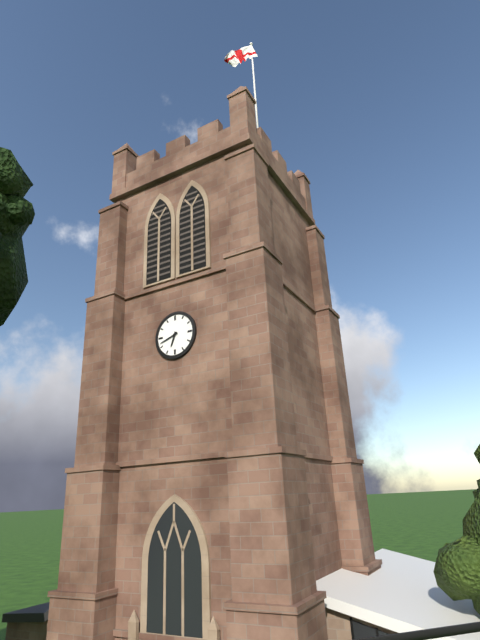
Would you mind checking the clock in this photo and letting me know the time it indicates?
6:42
